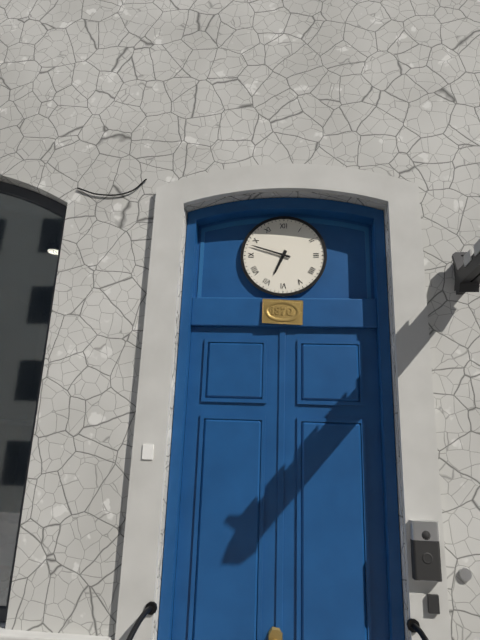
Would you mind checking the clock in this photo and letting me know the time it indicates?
6:48
